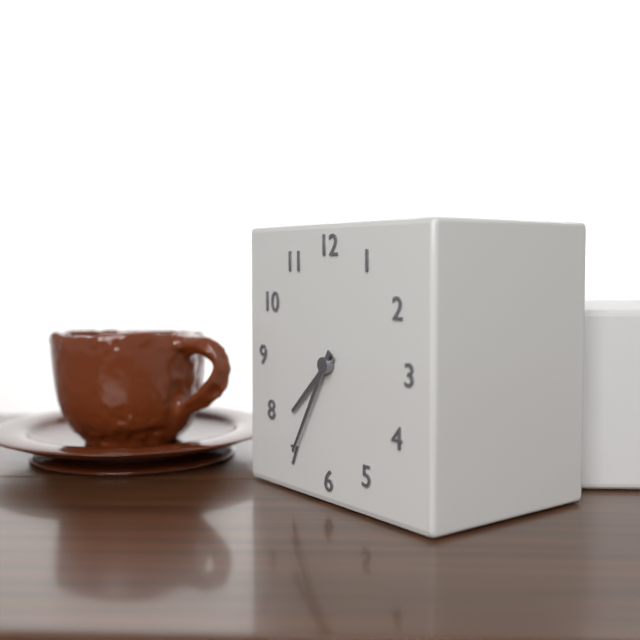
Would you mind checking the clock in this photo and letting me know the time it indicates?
7:35
